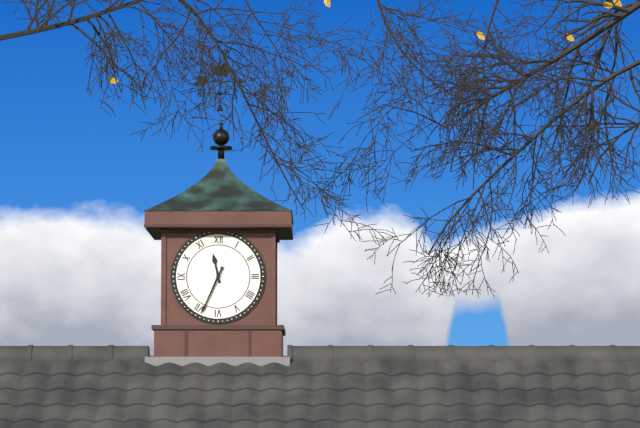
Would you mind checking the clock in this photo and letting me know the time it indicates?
11:34
